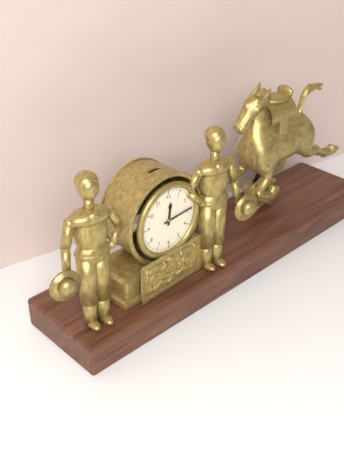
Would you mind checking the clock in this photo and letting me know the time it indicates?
12:14
